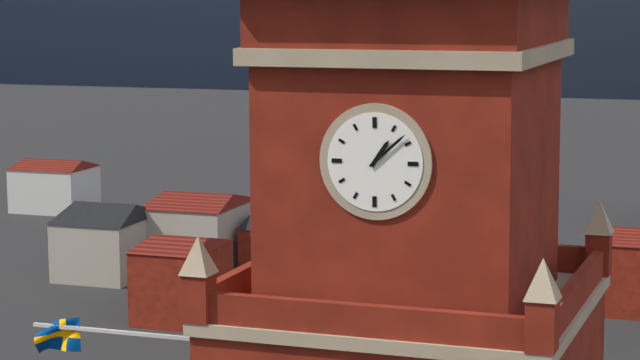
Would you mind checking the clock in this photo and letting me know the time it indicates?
1:08
